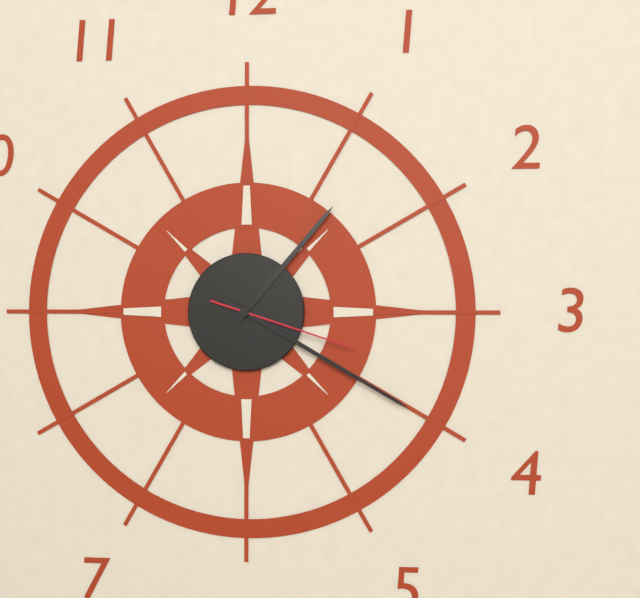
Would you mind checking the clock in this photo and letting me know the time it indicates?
1:20:18
